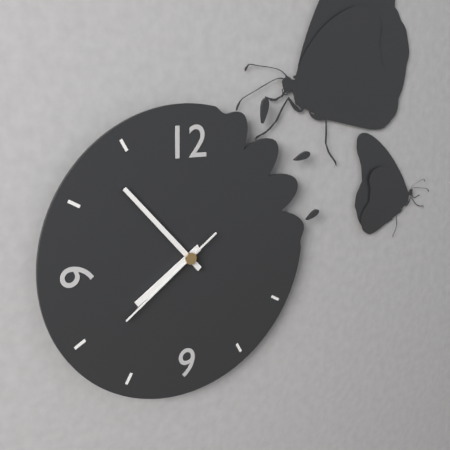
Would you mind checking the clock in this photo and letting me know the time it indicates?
7:53:39
